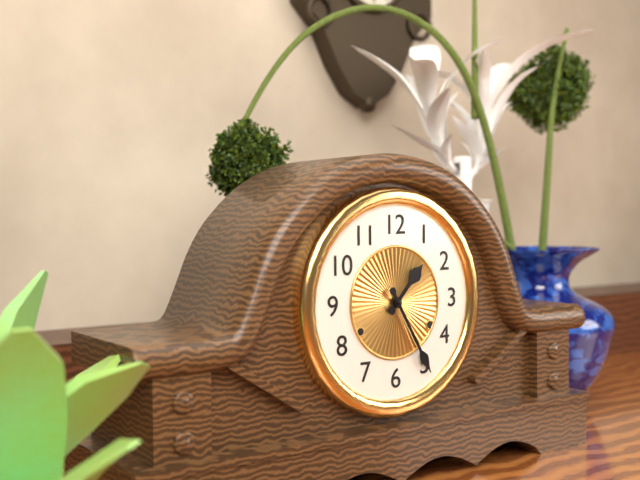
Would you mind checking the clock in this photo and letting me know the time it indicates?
1:25
